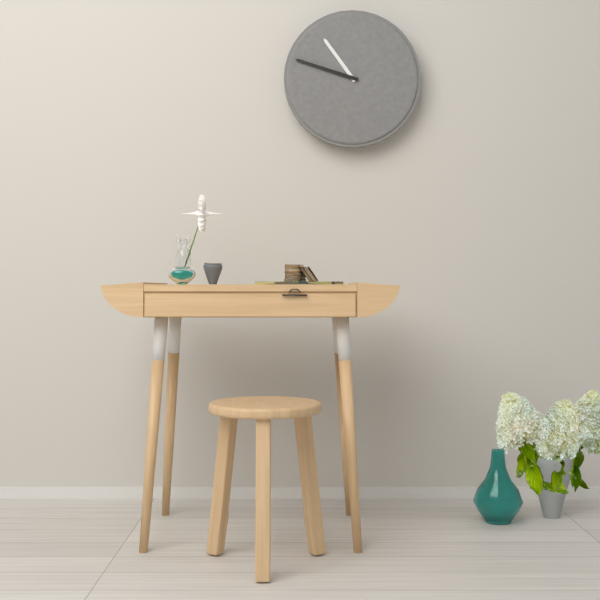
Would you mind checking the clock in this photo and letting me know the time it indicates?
10:48
